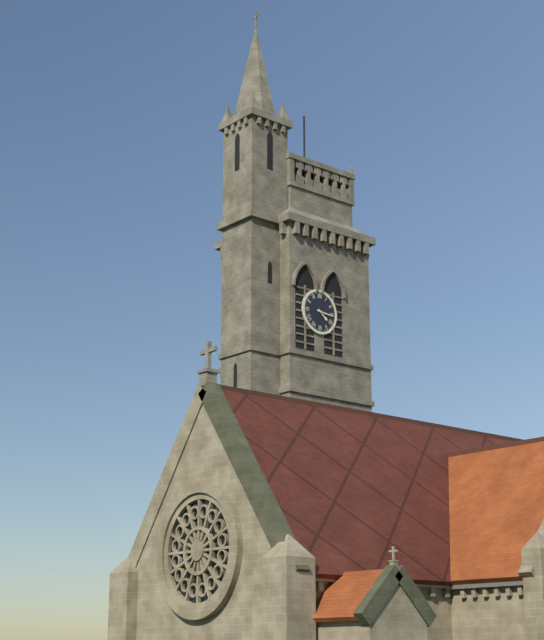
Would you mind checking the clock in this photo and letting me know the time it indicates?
4:16
